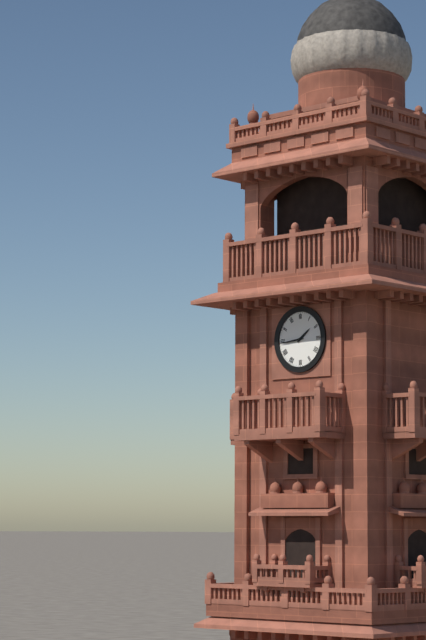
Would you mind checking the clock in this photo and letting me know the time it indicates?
1:44
